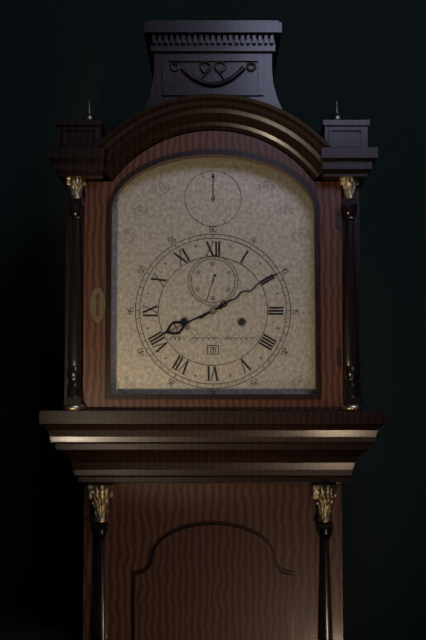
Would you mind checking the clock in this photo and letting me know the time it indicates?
8:10
